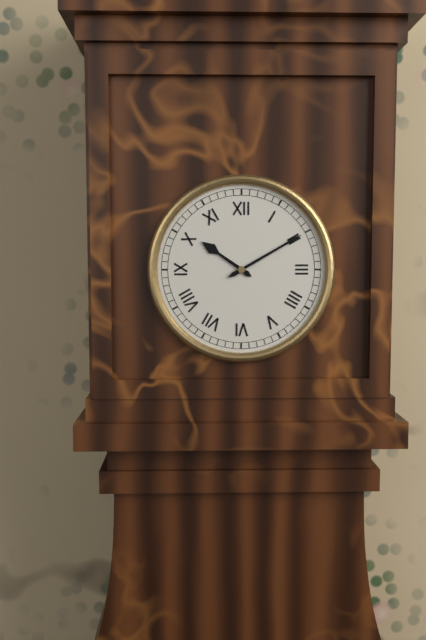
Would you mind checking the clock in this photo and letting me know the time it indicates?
10:10
